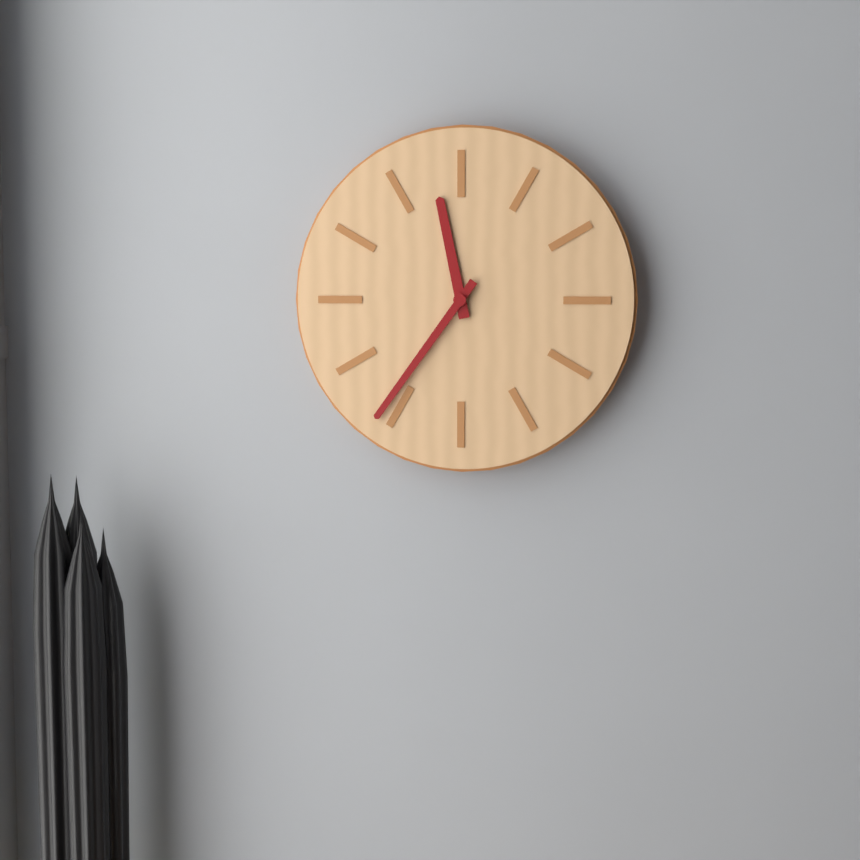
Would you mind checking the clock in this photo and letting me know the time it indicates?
11:36
